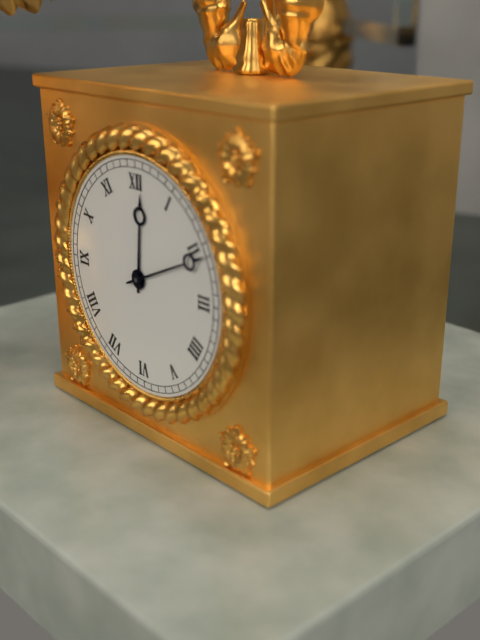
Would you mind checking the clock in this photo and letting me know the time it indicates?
12:11
